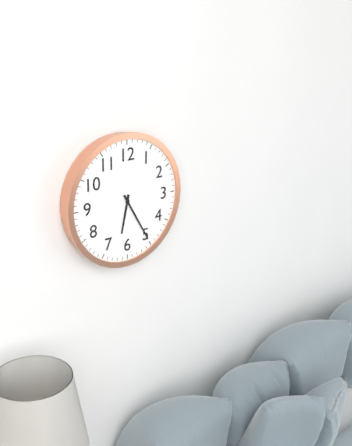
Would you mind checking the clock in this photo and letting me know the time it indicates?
6:25
